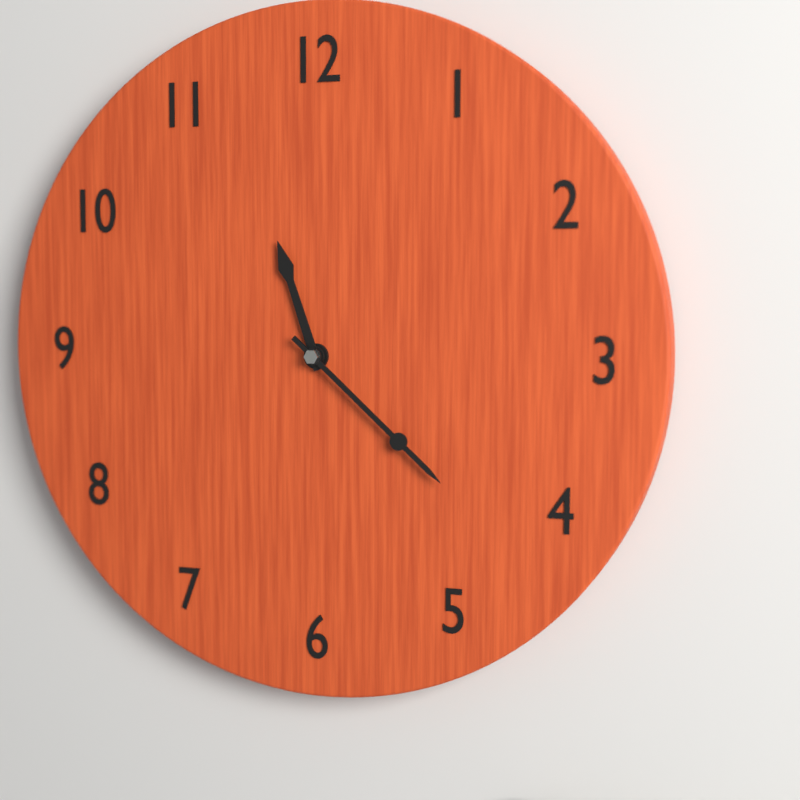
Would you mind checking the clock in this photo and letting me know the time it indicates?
11:22
